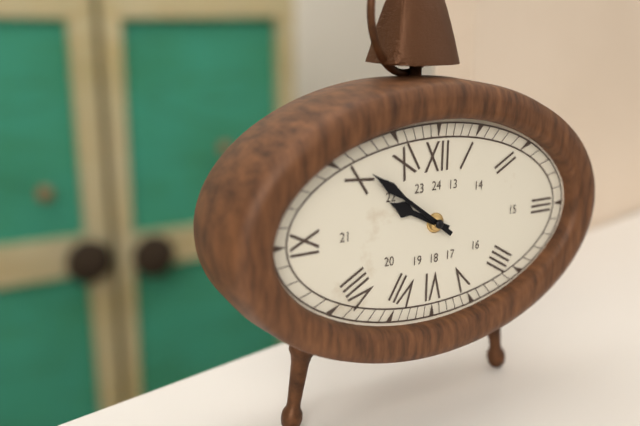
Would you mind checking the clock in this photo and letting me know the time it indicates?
9:51
